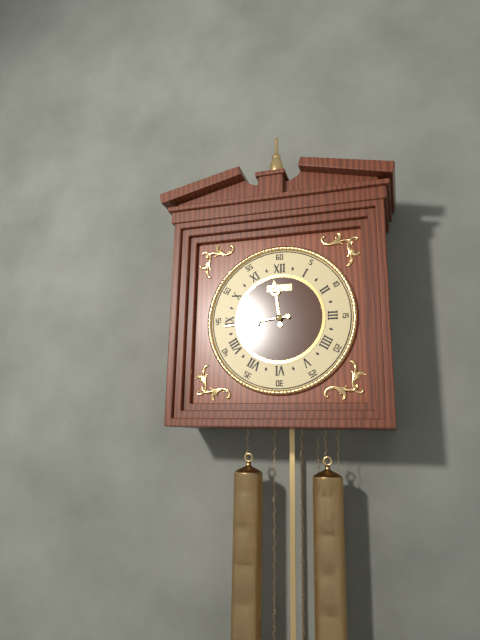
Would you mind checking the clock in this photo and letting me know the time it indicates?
11:44
